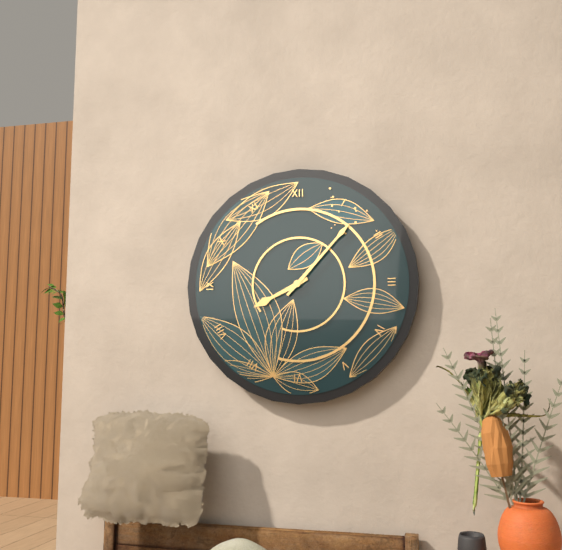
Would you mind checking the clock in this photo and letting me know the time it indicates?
8:07
